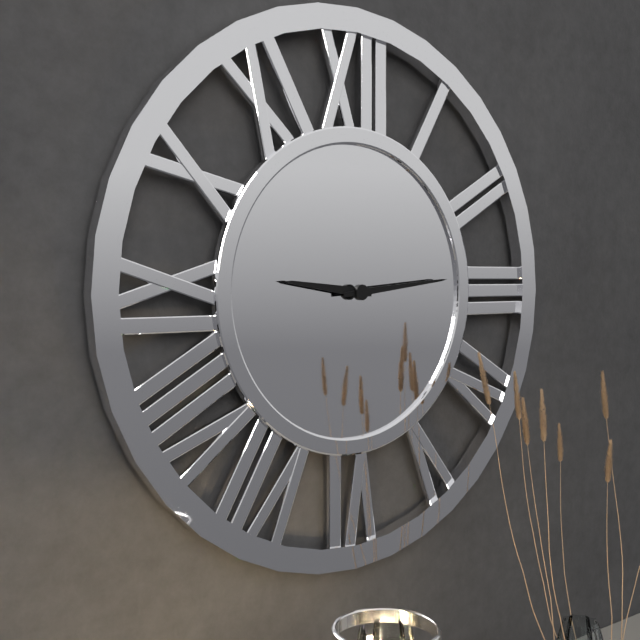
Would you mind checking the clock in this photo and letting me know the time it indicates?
9:14
